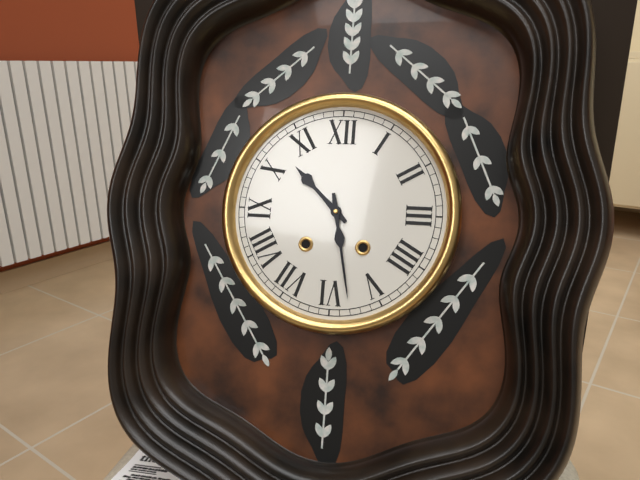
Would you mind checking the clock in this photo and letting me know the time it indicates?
10:28
